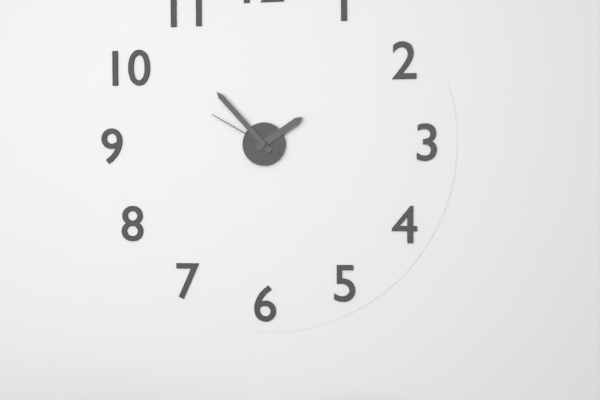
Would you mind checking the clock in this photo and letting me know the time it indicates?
1:53:50
